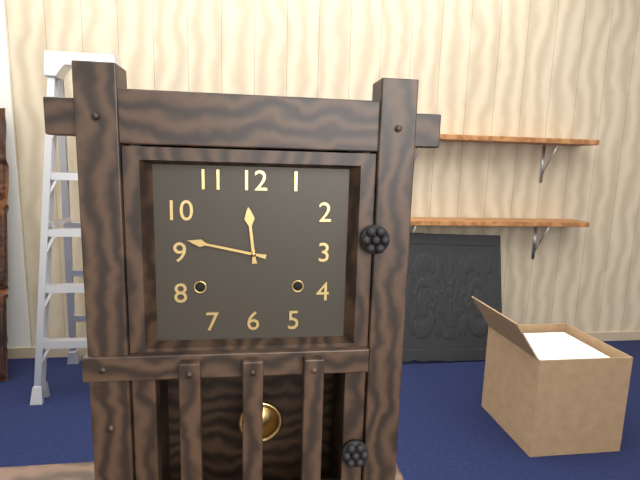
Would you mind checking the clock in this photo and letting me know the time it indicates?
11:47
